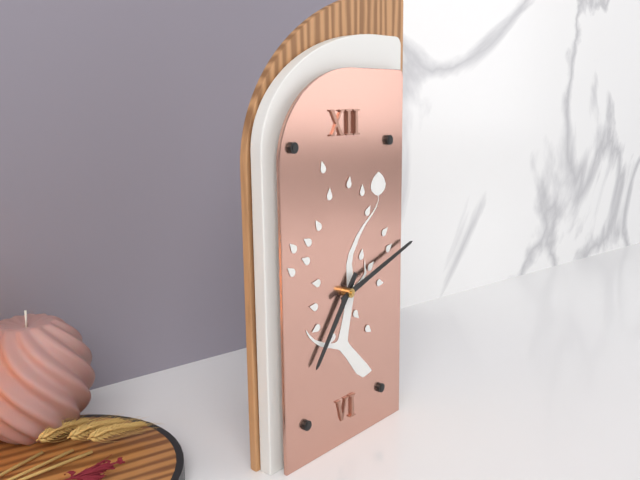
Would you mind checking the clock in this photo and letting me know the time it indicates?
7:12
